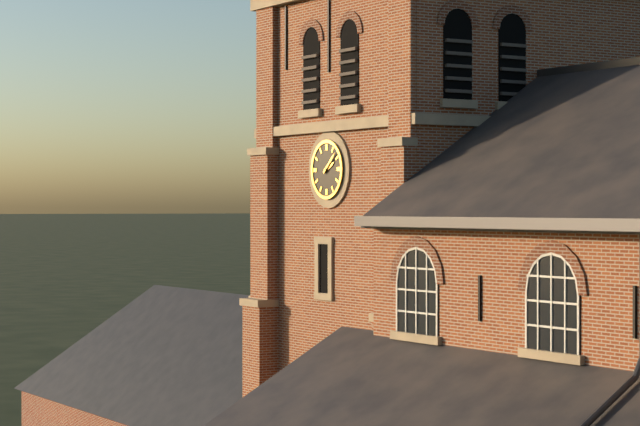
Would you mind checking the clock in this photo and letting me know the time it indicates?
2:08
